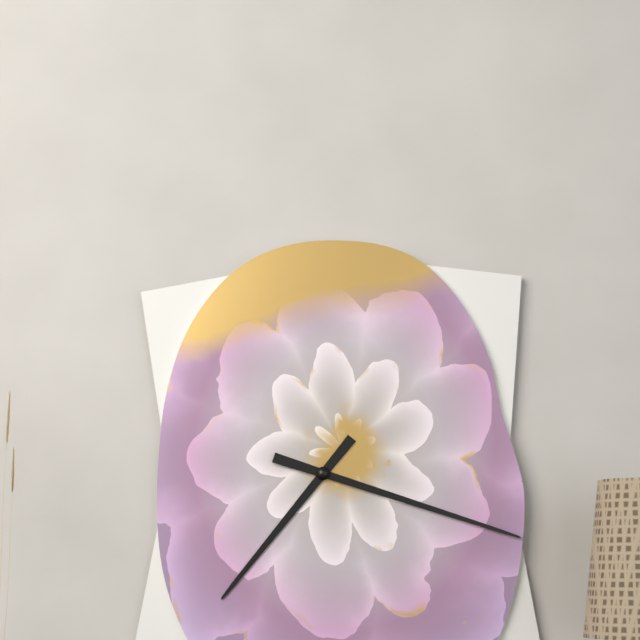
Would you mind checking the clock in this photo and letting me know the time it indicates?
7:18
